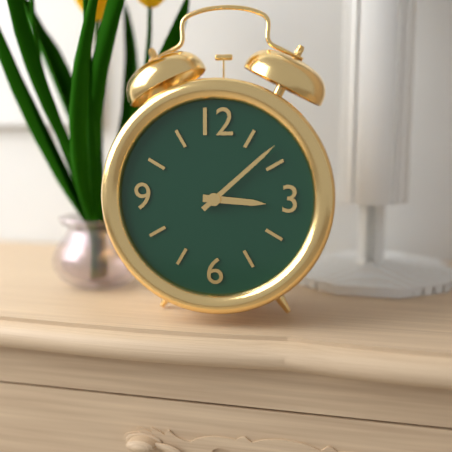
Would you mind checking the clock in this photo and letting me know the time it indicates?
3:08
